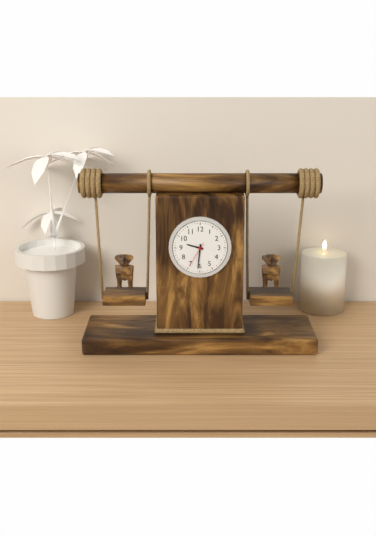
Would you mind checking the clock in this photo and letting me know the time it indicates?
9:31
